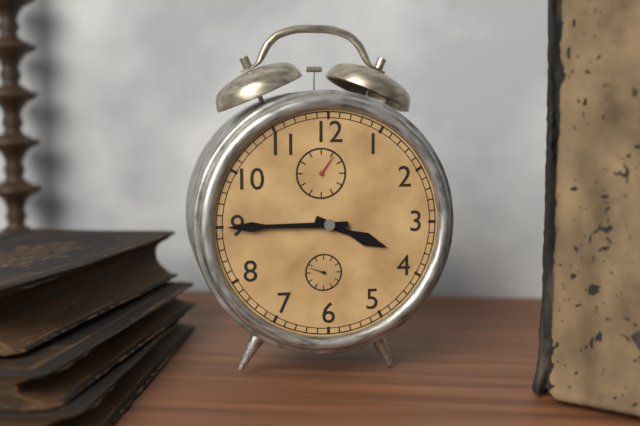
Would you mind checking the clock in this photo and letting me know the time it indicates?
3:45
